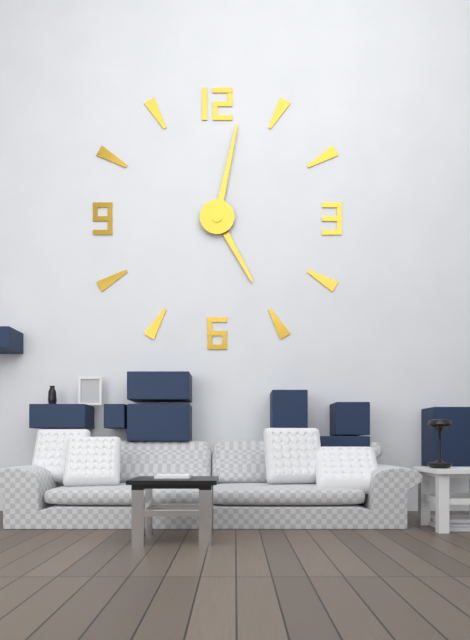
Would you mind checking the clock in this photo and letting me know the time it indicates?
5:02
